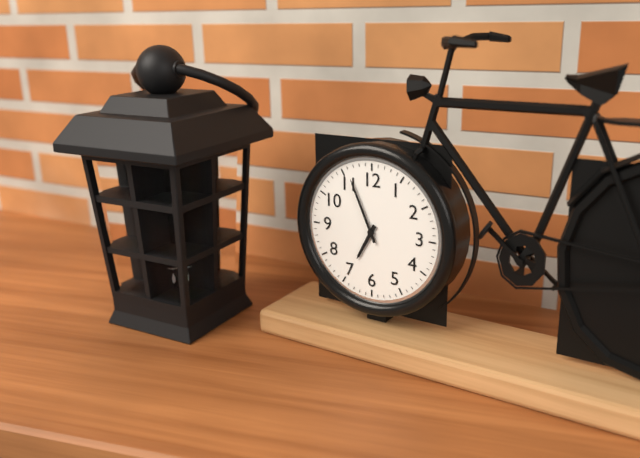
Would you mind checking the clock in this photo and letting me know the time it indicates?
6:56
